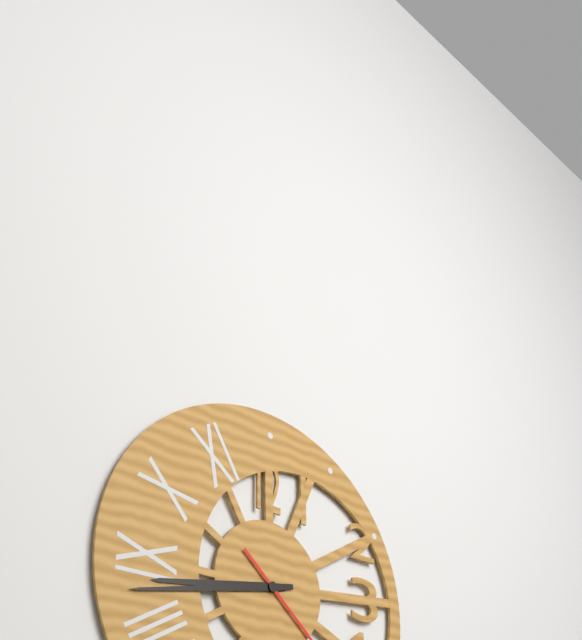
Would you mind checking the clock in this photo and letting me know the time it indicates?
8:43
